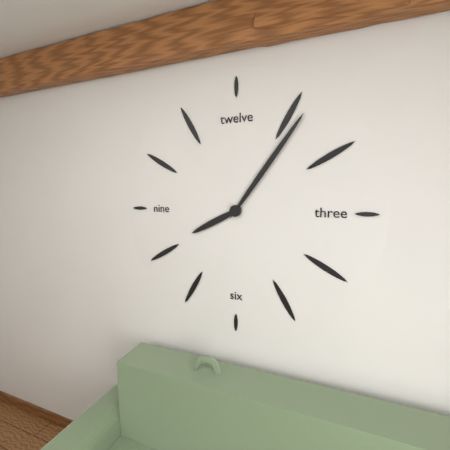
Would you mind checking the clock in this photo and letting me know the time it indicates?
8:06
